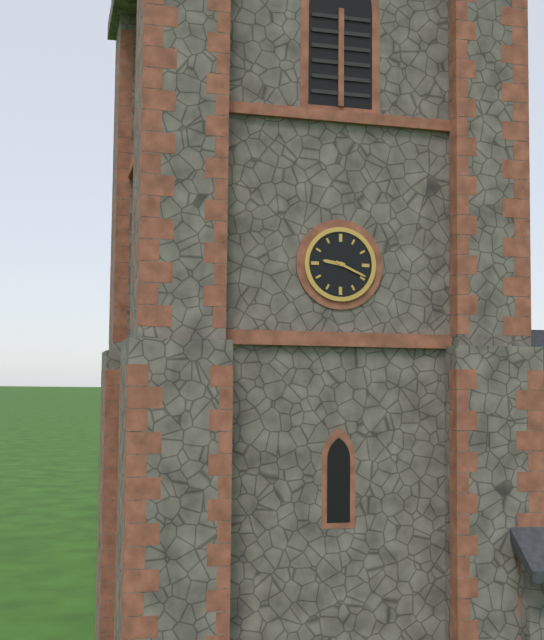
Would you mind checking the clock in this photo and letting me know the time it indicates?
9:19
